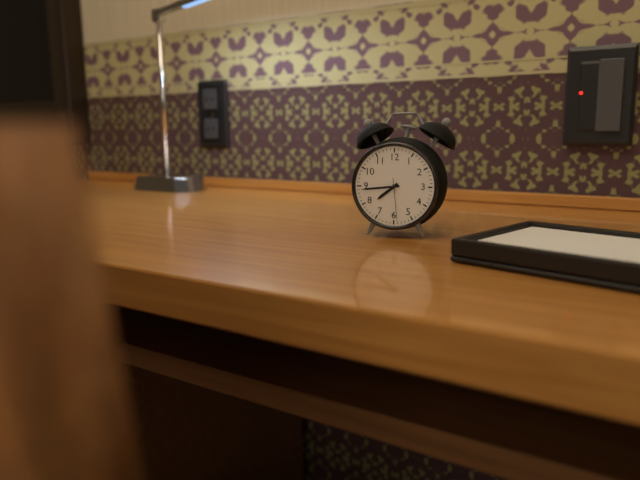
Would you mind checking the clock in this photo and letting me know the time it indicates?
7:44
